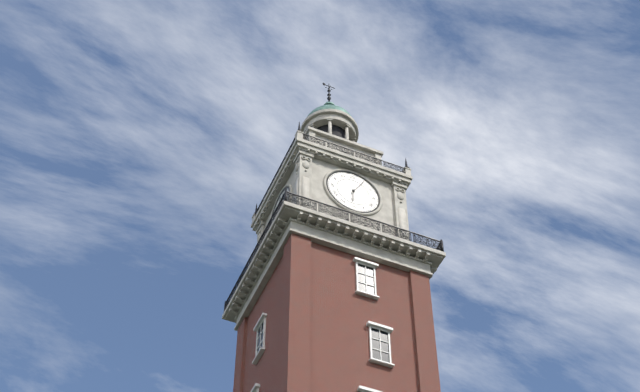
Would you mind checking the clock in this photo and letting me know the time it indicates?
6:05
